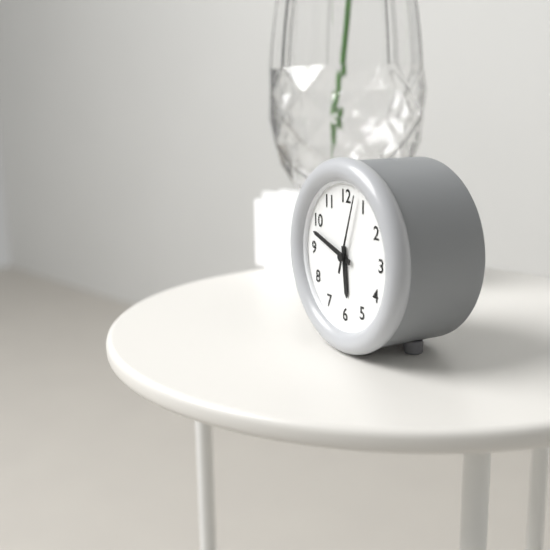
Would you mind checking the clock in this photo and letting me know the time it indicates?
5:48:03
